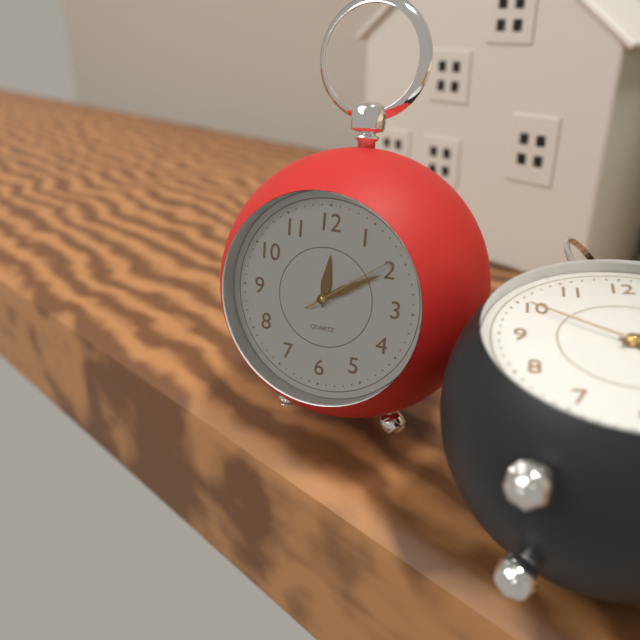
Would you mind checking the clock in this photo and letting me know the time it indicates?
12:10:09
